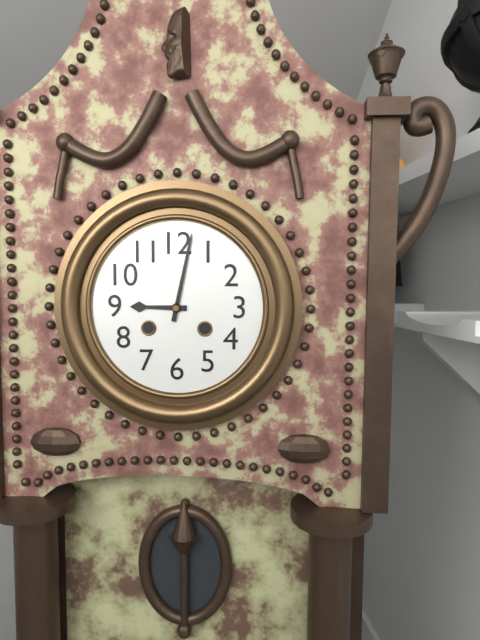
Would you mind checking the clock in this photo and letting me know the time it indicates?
9:02
